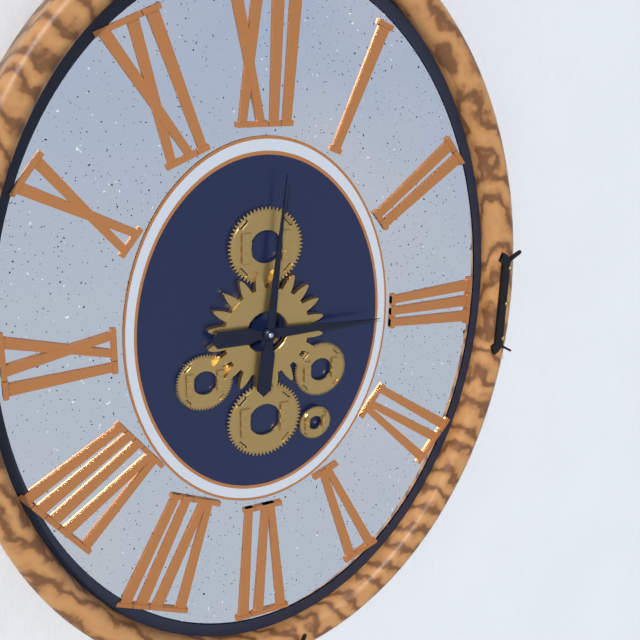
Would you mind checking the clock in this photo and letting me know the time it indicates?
3:01
